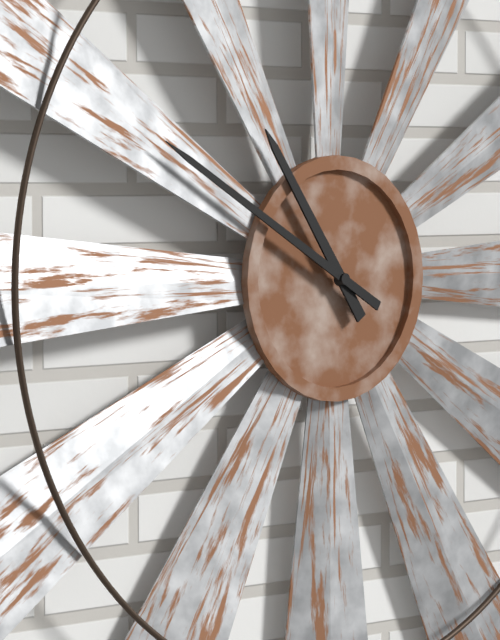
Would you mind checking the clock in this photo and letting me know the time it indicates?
10:50
